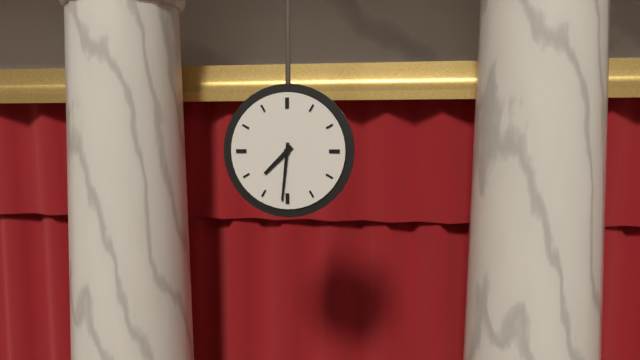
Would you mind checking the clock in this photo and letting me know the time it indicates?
7:31
